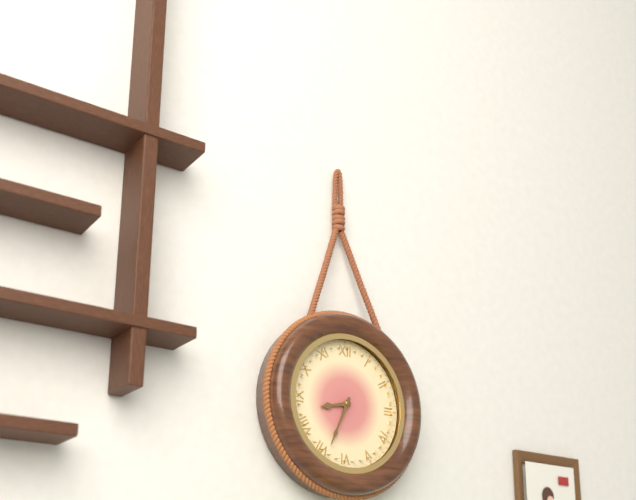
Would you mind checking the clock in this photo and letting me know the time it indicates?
8:34
